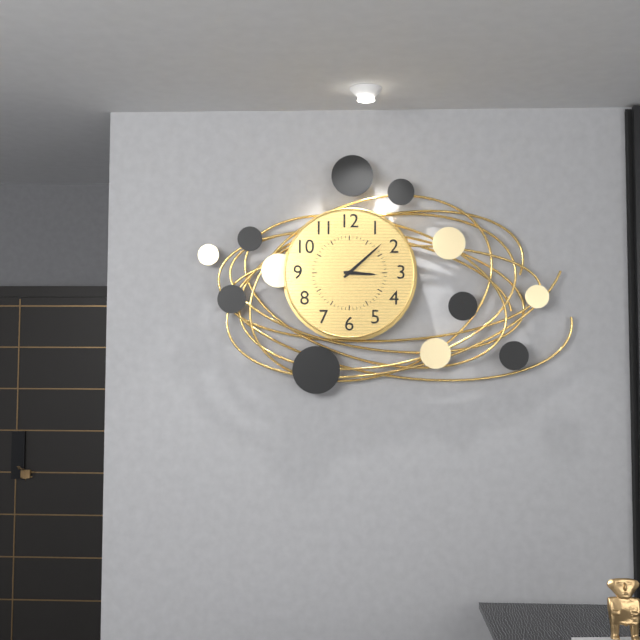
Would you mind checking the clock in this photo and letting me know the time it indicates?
3:08
